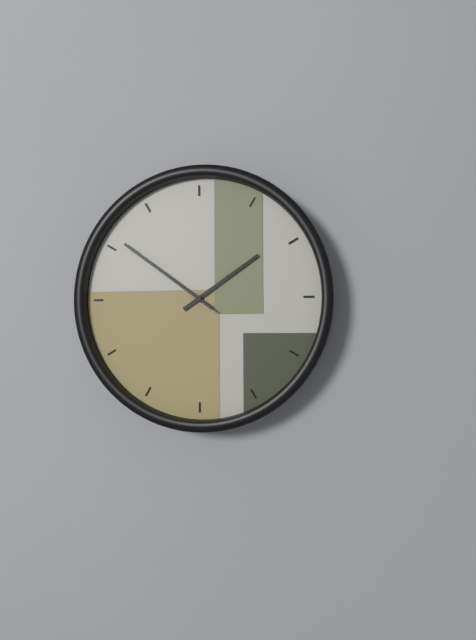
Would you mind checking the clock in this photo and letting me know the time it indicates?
1:51:51
